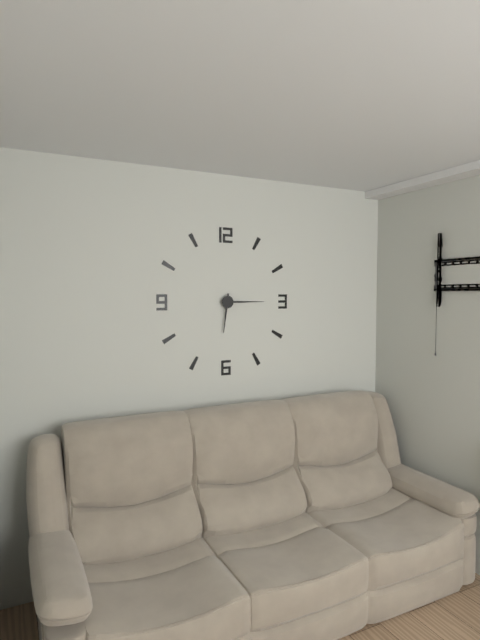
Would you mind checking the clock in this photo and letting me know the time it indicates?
6:15
